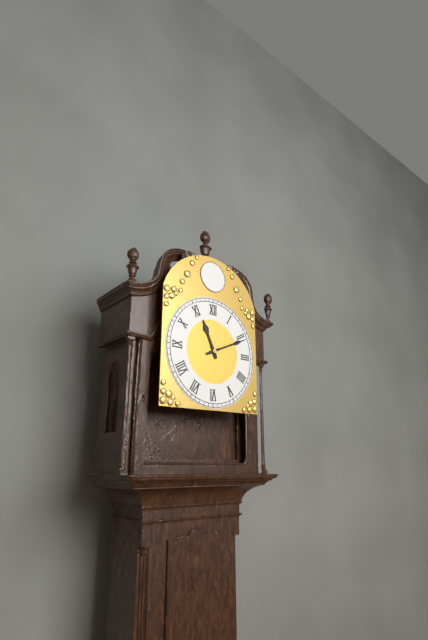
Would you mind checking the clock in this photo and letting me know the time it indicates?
11:11
